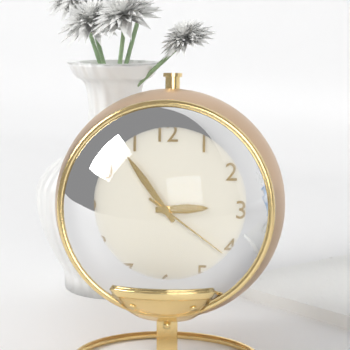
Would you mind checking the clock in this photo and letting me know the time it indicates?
2:54:21
